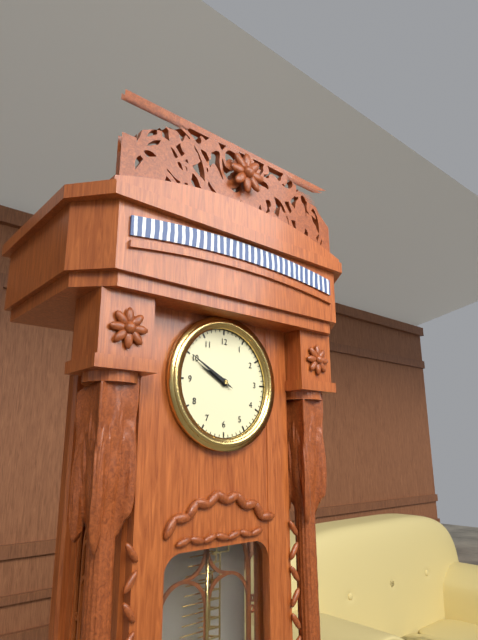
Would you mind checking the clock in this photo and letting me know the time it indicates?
9:50
